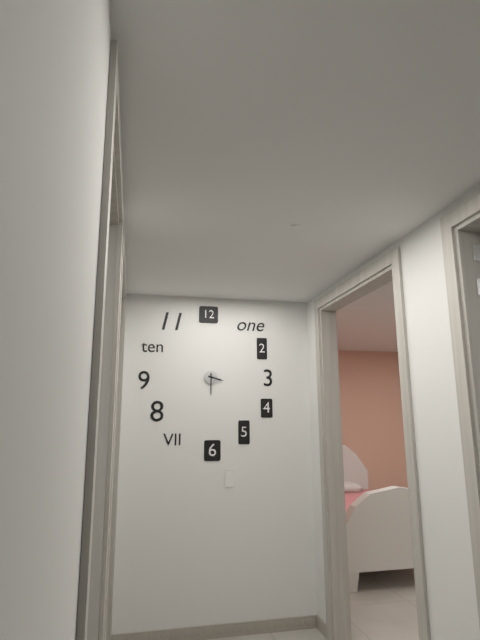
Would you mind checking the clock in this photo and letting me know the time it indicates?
3:30
